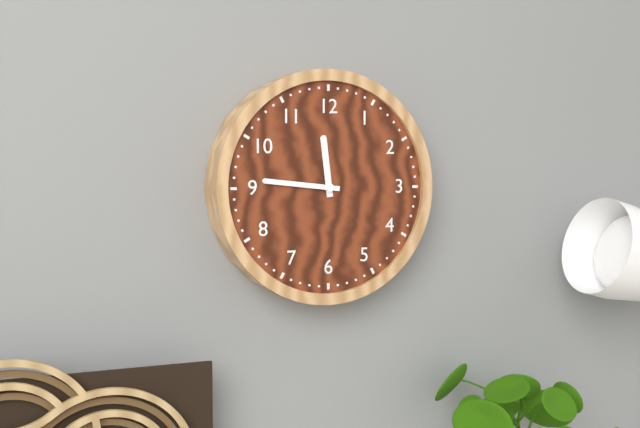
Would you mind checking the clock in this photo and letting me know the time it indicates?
11:46
